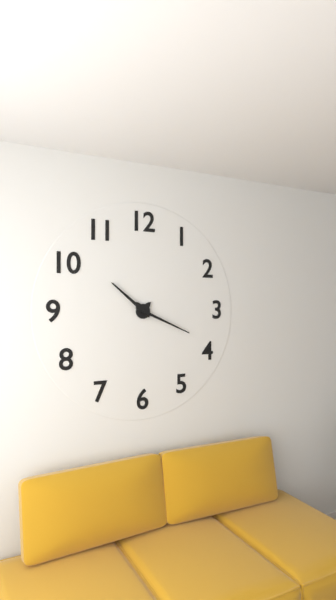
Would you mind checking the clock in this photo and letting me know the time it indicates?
10:19
